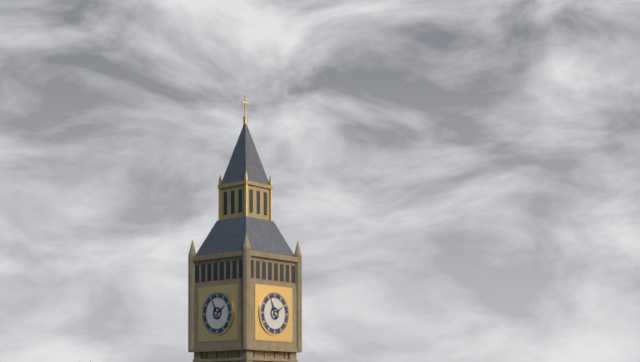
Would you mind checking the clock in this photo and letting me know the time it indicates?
1:56
